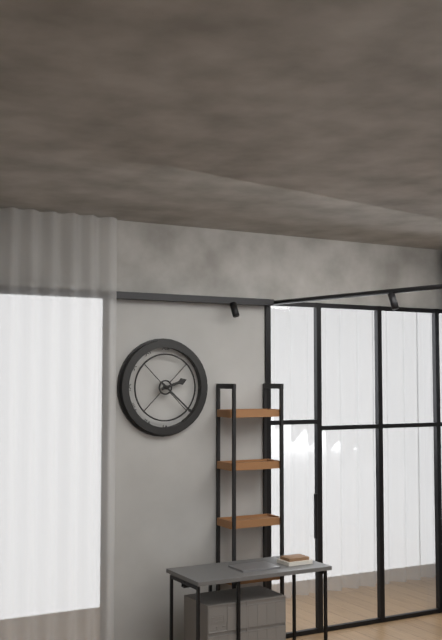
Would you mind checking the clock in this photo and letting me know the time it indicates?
2:22
